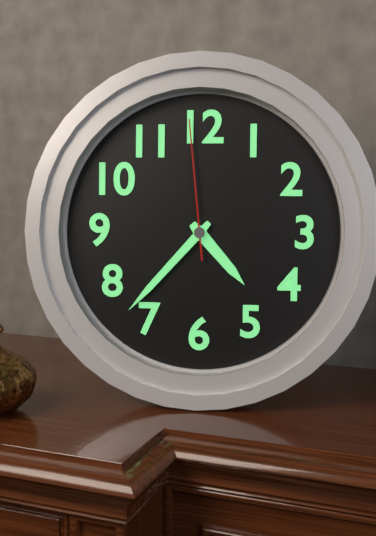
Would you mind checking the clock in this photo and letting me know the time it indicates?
4:37:59
